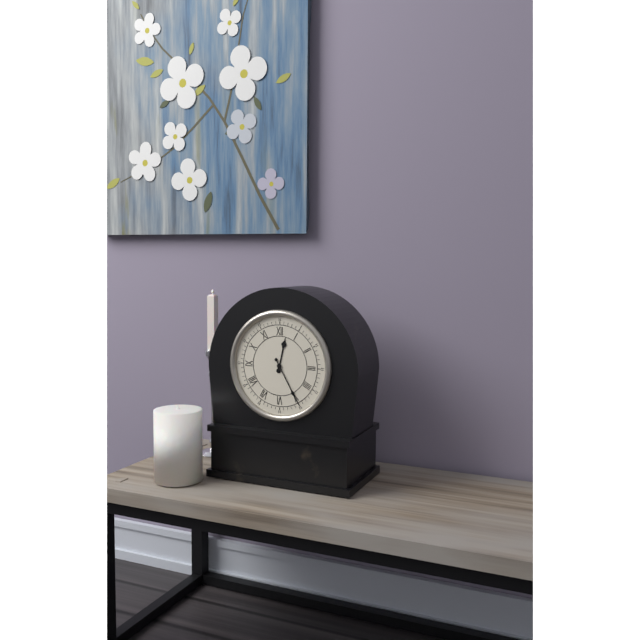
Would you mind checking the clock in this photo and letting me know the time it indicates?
12:25
